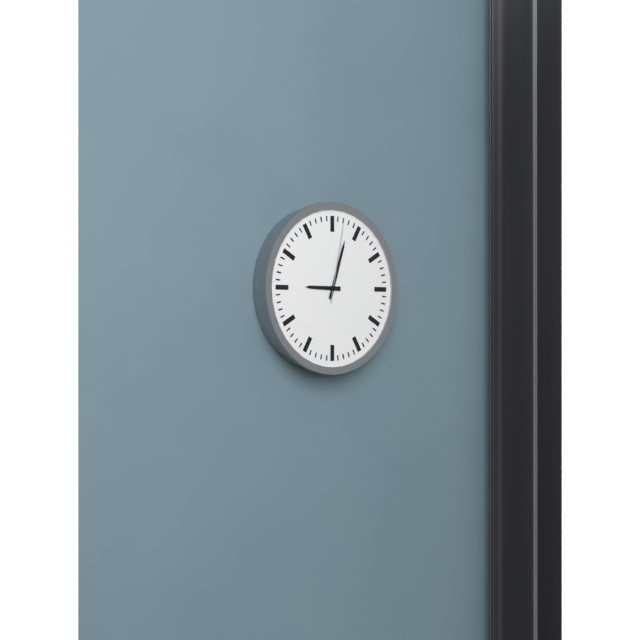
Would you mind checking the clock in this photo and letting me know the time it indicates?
9:03:02
